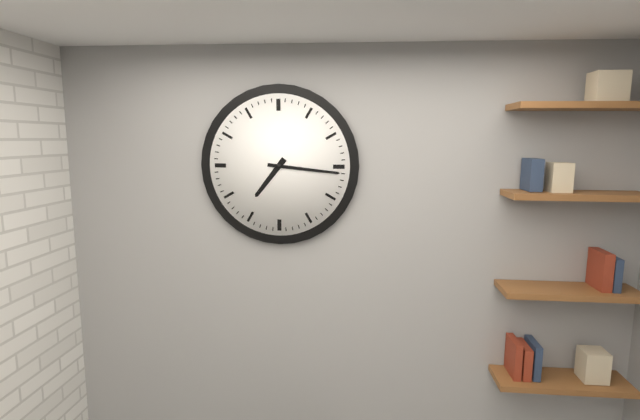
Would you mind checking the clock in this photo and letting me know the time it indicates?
7:16
